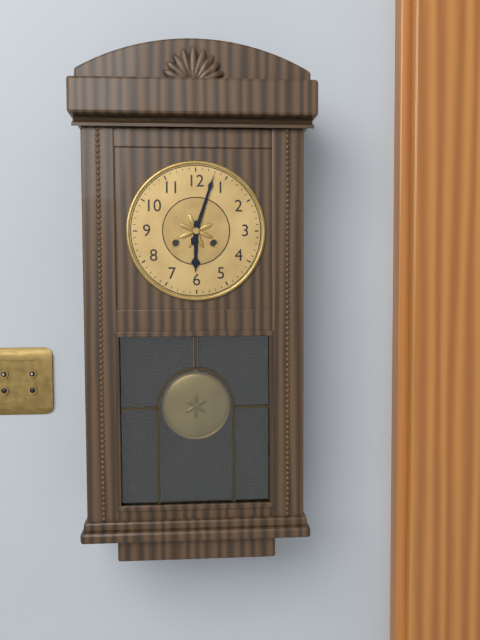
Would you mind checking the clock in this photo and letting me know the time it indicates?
6:03
